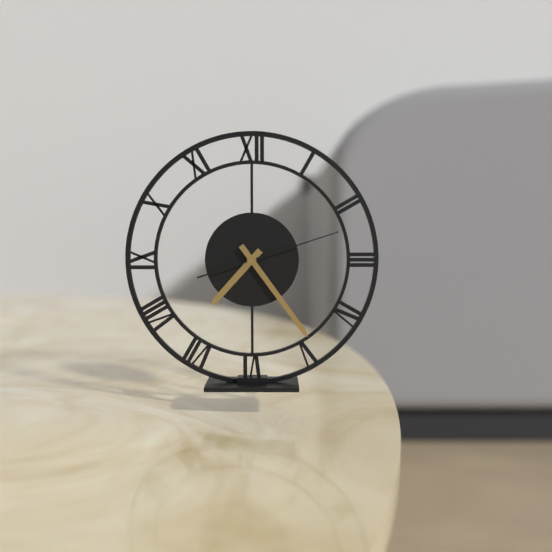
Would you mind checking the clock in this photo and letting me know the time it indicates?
7:24:12
